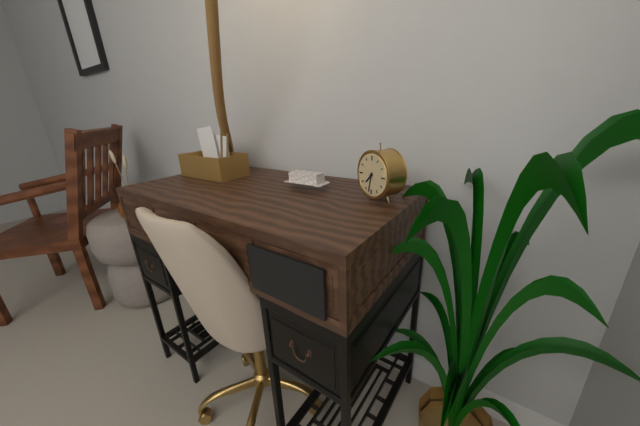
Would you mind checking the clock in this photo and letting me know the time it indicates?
7:32
